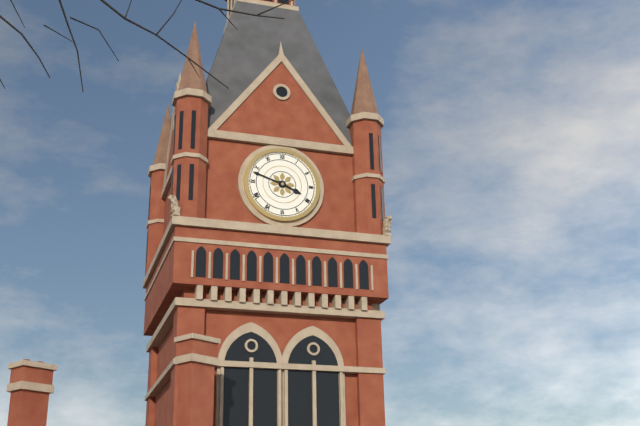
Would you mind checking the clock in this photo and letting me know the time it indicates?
3:48
